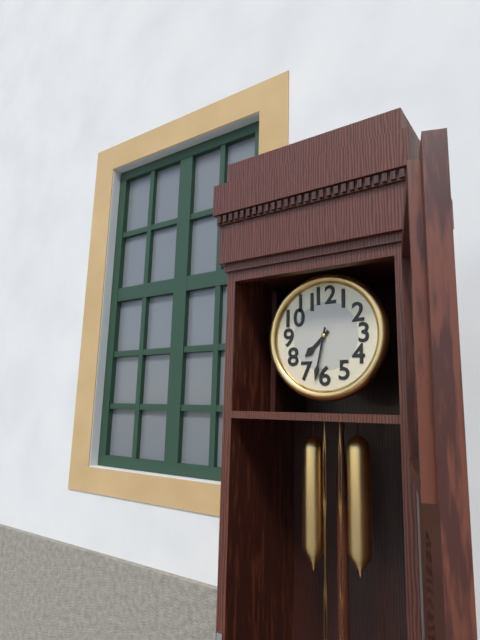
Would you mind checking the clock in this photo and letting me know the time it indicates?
7:32
